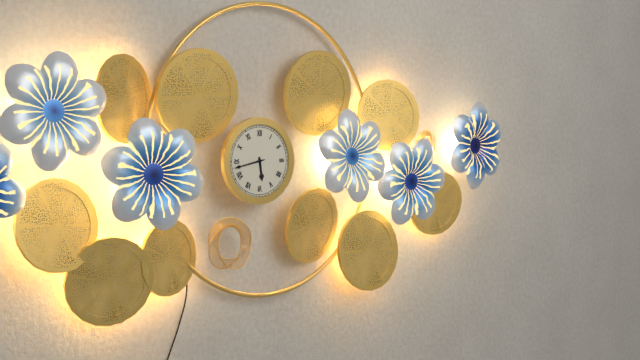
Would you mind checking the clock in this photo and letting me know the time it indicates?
5:43
